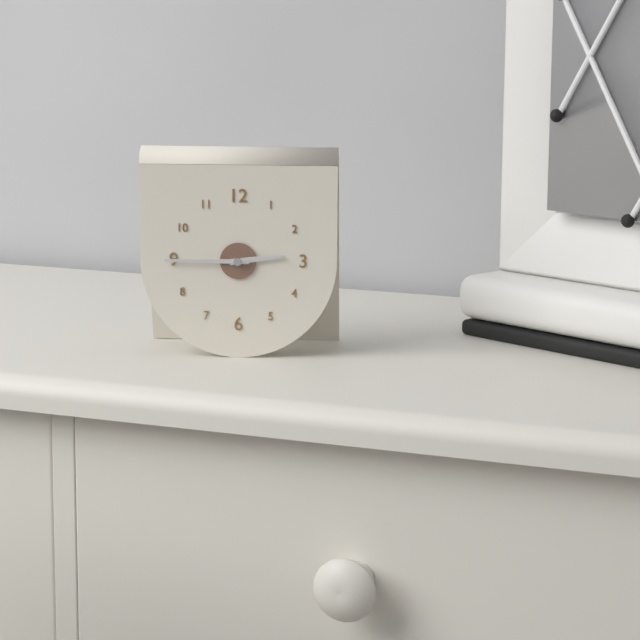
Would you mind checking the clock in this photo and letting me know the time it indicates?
2:45
